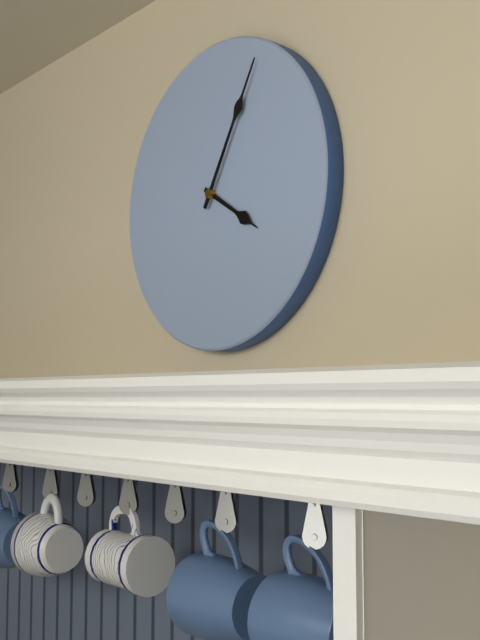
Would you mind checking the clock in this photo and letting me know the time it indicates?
4:05
